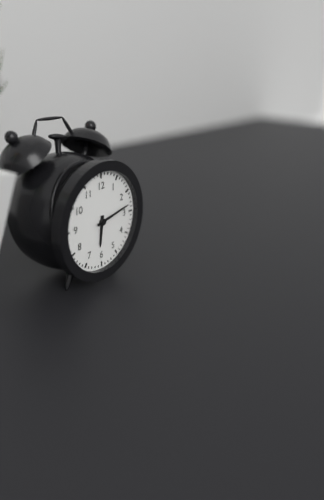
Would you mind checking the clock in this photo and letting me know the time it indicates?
6:13
